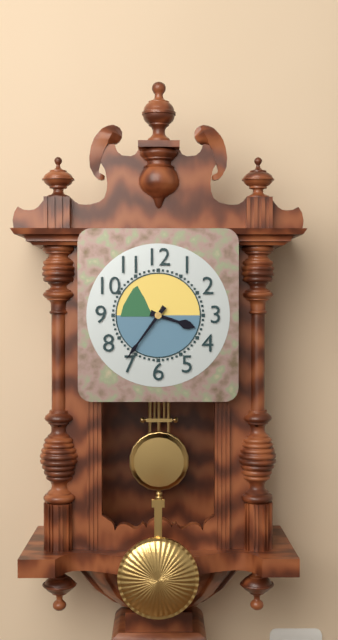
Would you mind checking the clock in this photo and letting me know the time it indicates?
3:36
